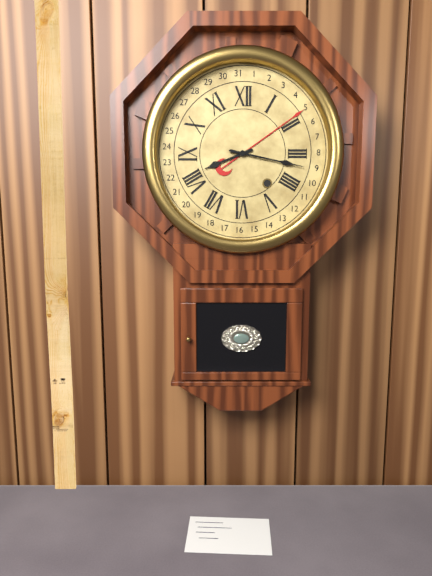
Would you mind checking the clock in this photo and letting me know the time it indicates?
8:17
